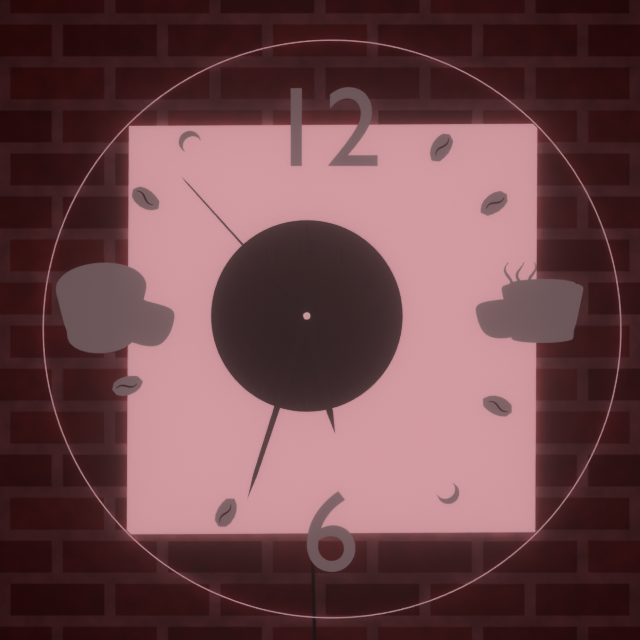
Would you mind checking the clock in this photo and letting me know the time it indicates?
5:33:53
